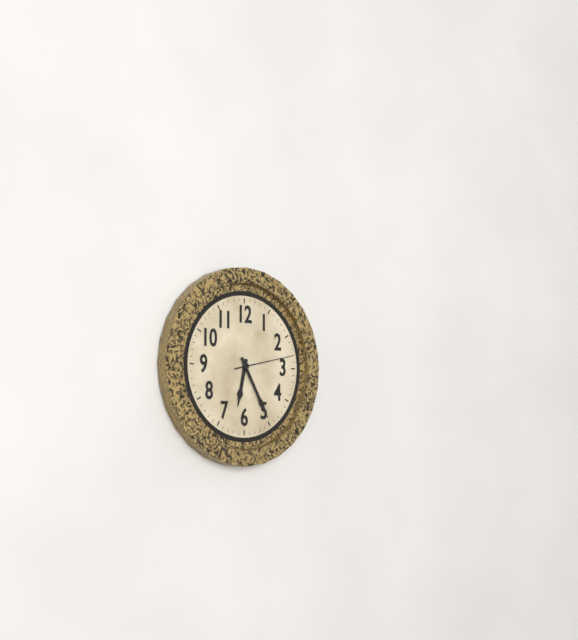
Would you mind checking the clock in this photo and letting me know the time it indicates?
6:25:13
